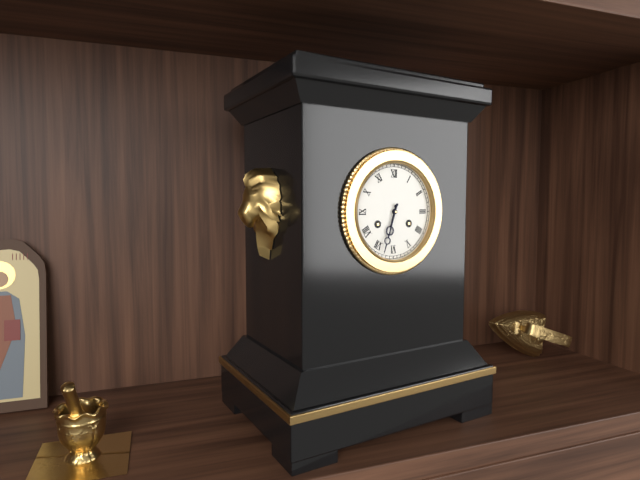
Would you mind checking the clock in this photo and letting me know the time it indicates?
6:33
